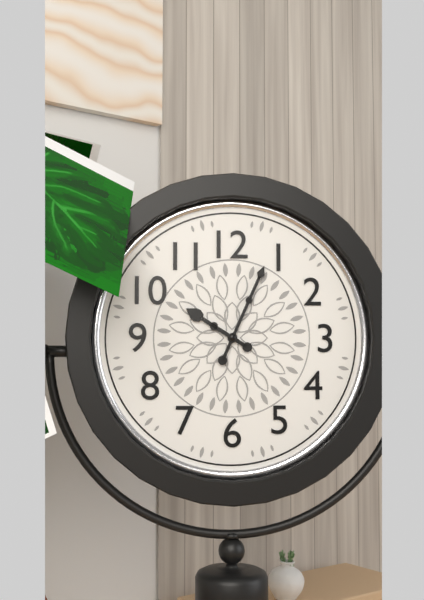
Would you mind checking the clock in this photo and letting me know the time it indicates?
10:04
